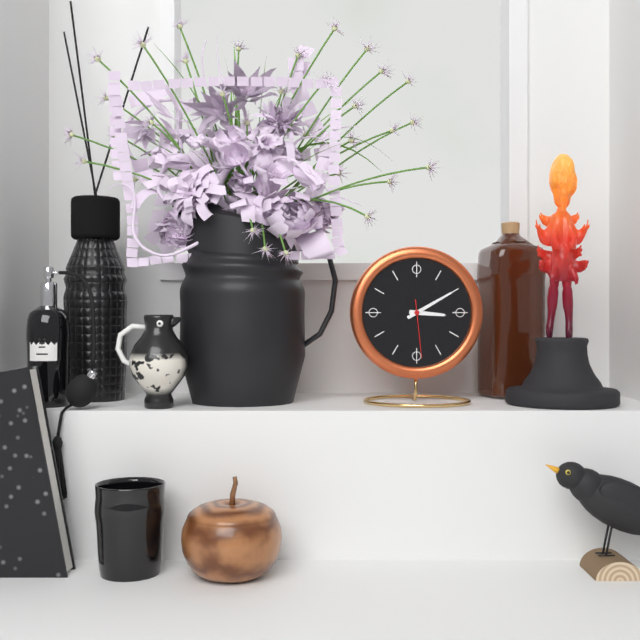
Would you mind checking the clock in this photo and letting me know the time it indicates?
3:10:29
